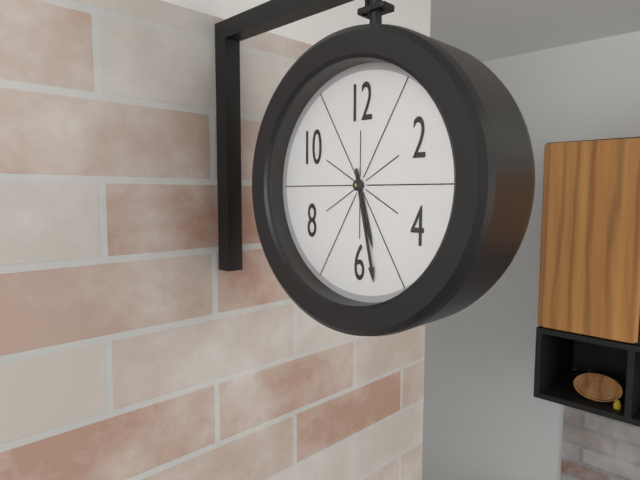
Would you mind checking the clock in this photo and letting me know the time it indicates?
5:28
